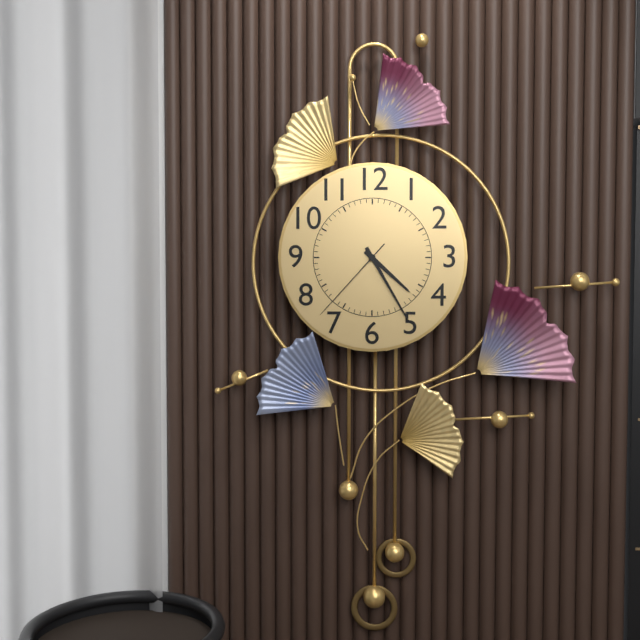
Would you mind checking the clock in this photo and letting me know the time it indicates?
4:25:37
